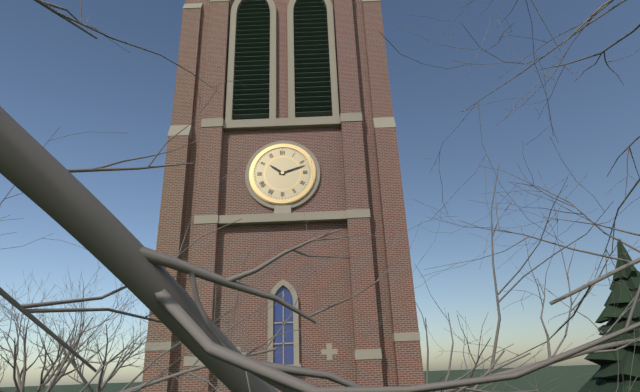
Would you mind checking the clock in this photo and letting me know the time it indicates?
10:12
